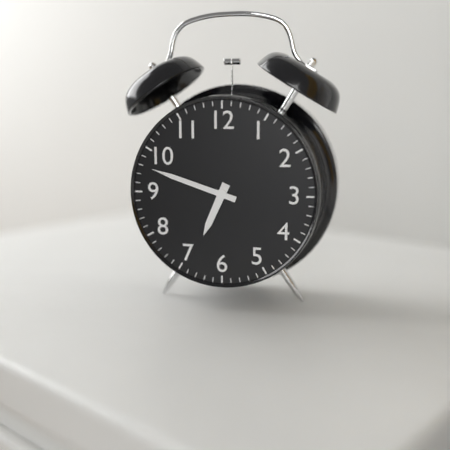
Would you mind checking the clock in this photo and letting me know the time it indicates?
6:48
